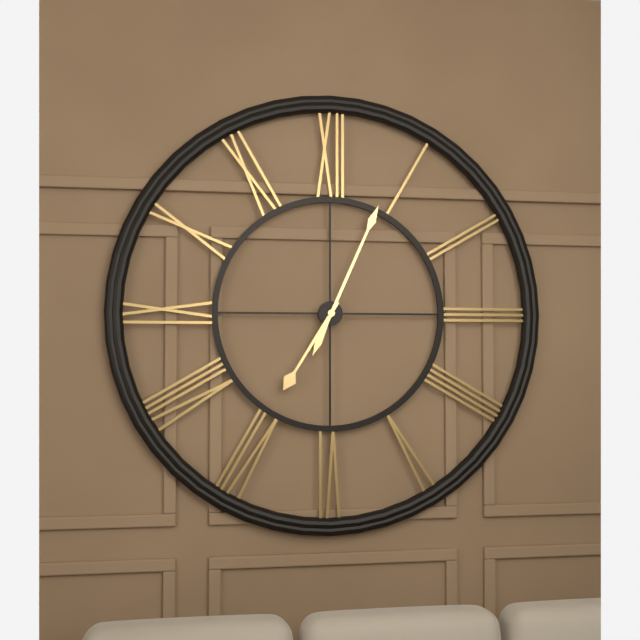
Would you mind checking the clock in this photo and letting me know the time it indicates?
7:04
